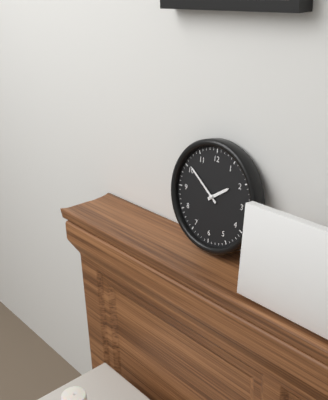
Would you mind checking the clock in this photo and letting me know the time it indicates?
1:51
